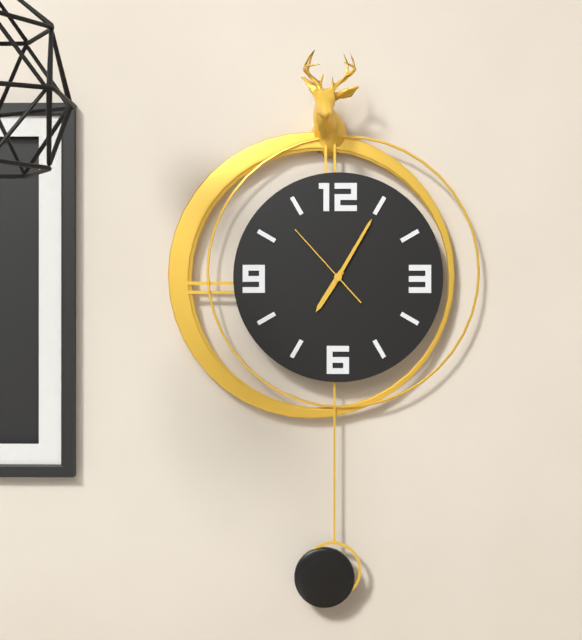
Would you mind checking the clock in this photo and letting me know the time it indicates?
7:05:53
